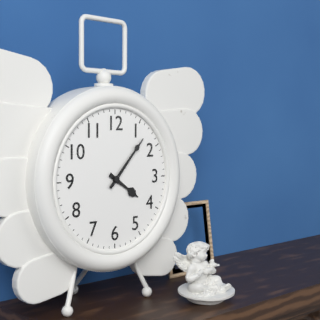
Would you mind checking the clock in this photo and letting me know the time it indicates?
4:07
